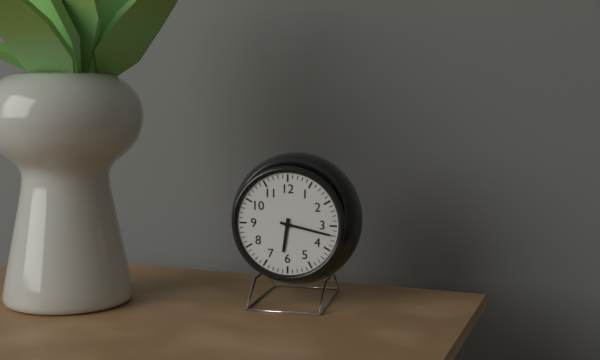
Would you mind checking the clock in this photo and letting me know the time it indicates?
6:17
